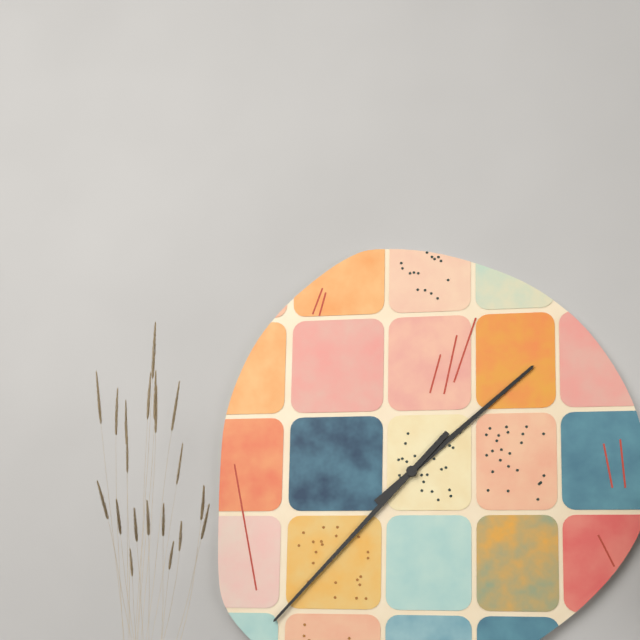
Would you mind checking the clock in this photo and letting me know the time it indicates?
1:37
